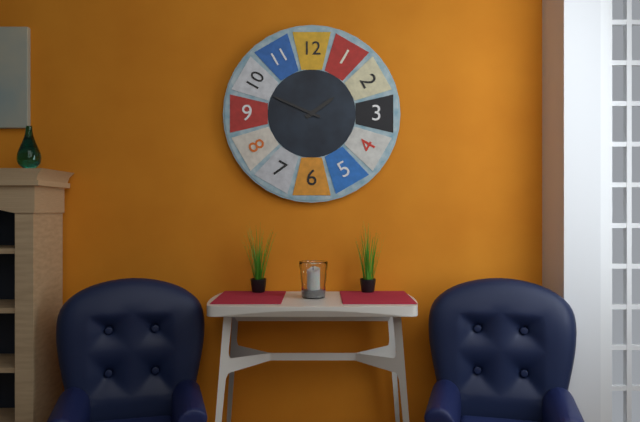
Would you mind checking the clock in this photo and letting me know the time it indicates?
1:49
